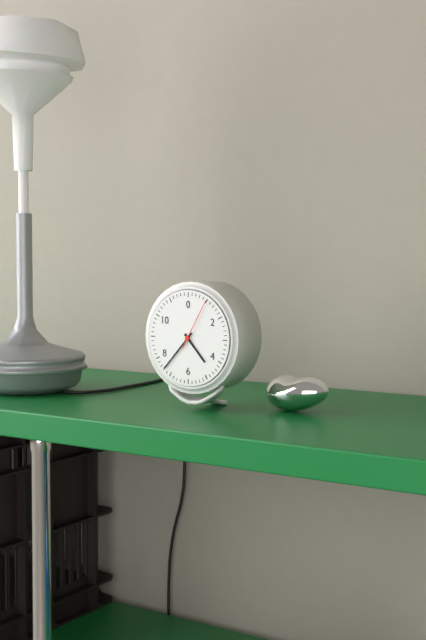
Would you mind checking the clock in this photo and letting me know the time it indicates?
4:37:05
